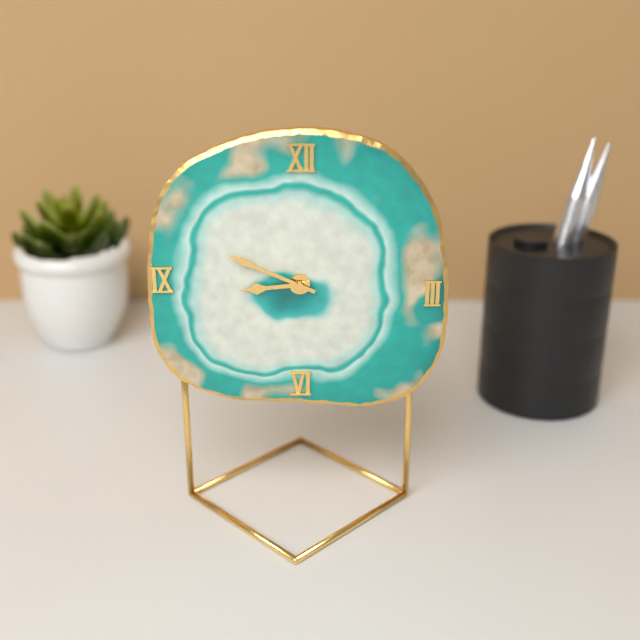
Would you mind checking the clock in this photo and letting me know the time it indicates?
8:49
